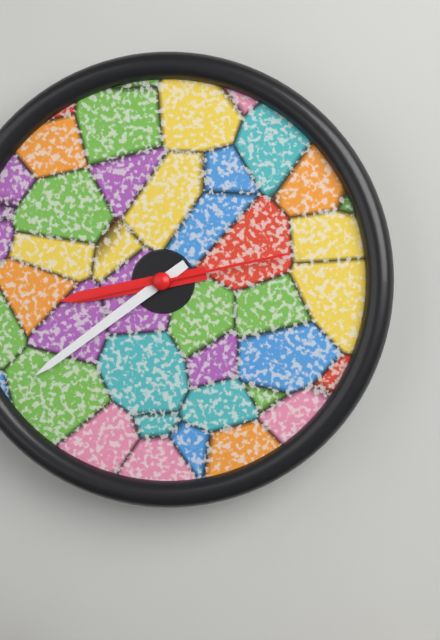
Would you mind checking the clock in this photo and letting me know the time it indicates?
8:39:13
